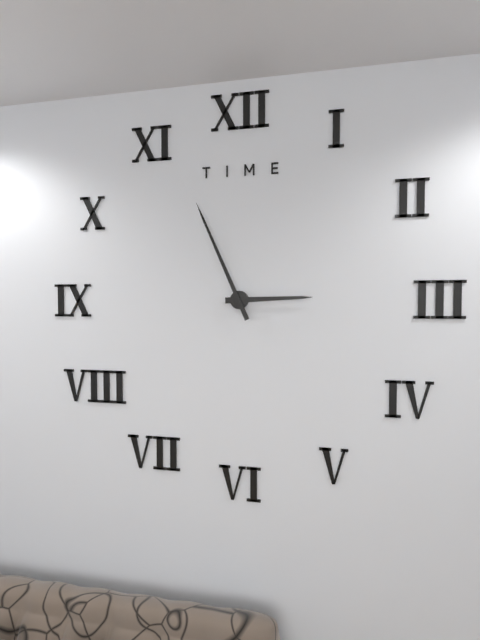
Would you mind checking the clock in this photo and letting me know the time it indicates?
2:56
